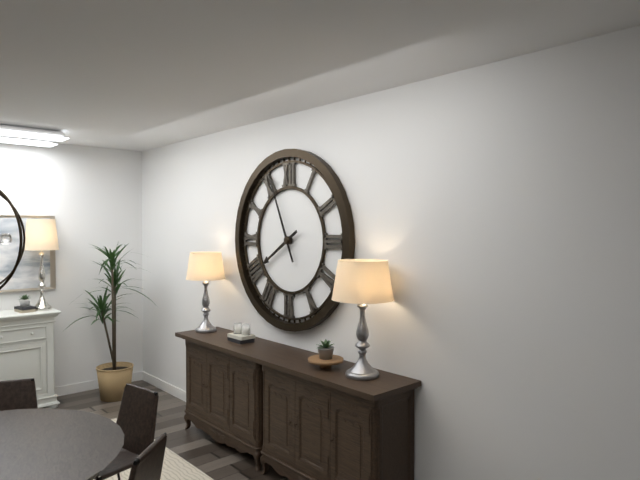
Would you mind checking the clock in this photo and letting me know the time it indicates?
7:56
